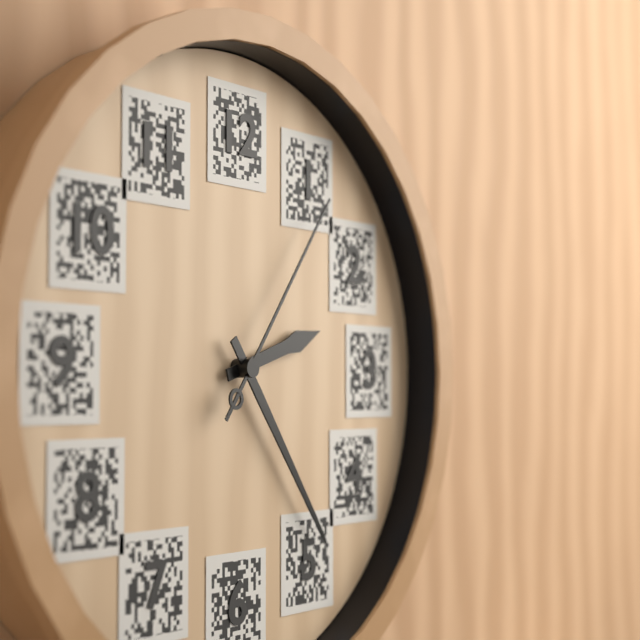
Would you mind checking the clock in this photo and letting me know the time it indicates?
2:24:06
